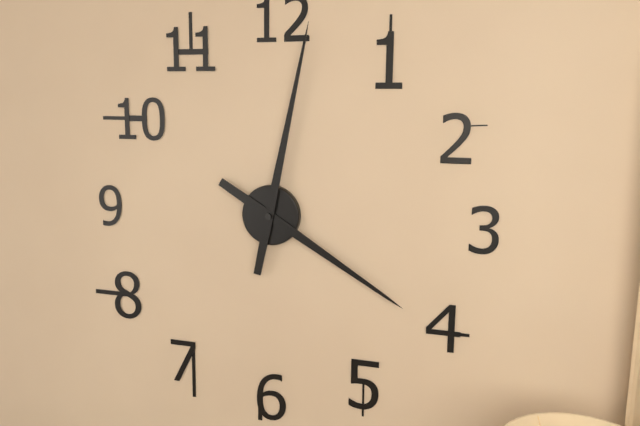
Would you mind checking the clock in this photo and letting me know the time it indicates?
4:02
